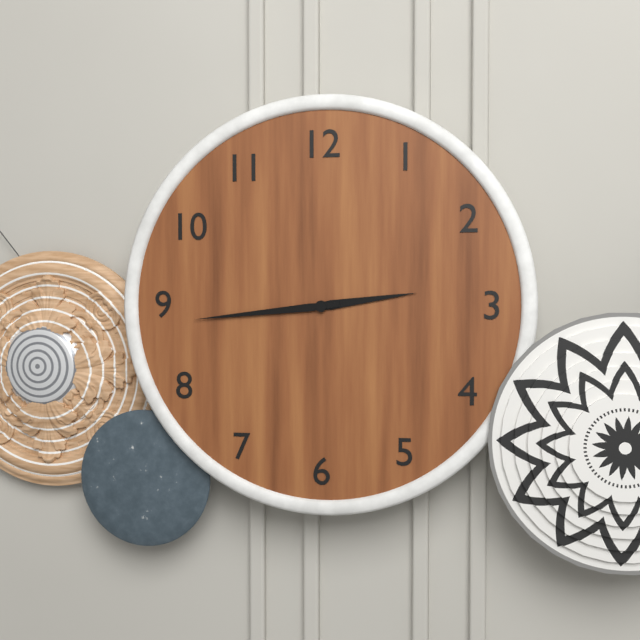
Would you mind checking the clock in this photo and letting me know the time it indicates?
2:44
